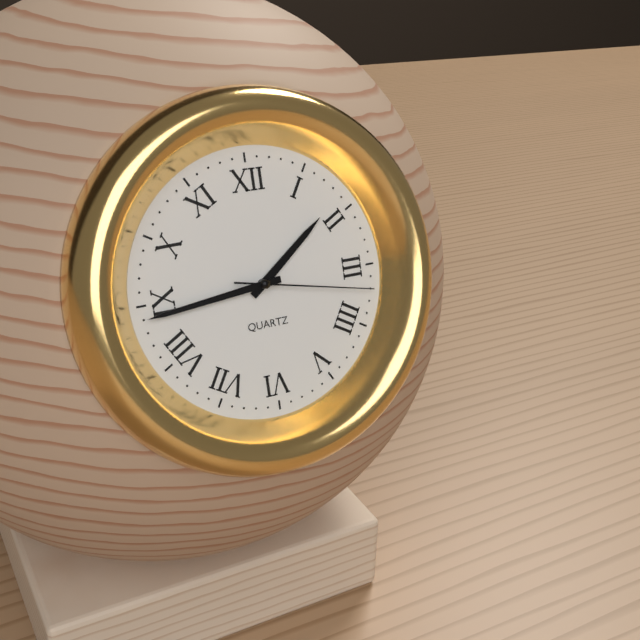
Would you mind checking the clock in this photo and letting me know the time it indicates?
1:44:17
